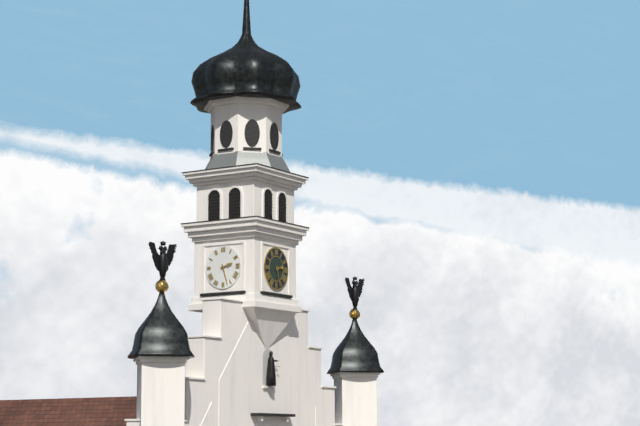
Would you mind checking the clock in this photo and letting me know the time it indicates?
2:27
